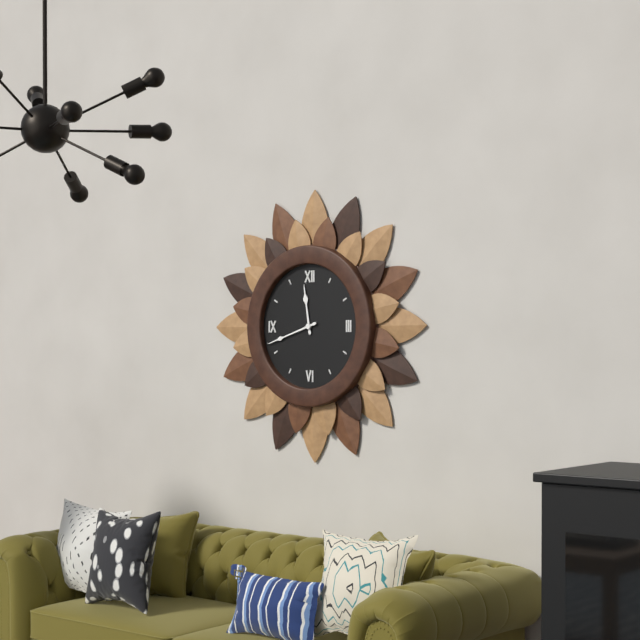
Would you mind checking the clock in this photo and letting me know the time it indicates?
11:42
